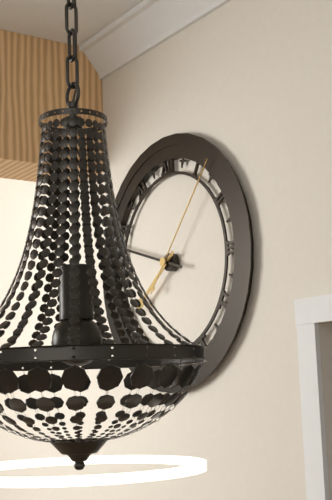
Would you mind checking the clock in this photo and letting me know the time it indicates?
7:48:07
